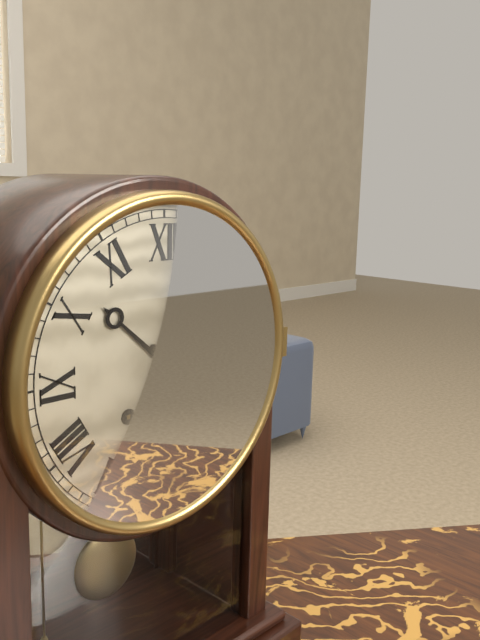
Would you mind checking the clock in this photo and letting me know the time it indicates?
10:23
